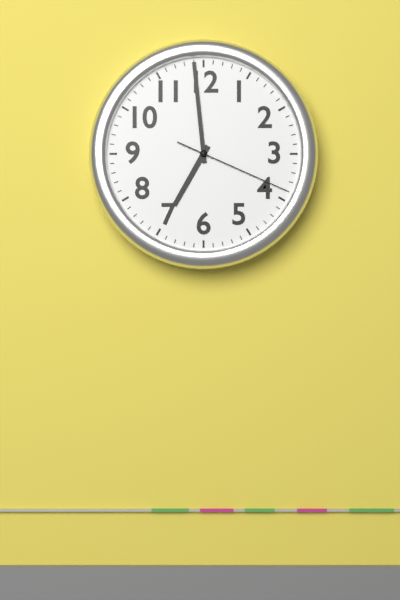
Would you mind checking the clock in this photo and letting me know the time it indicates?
6:59:19
